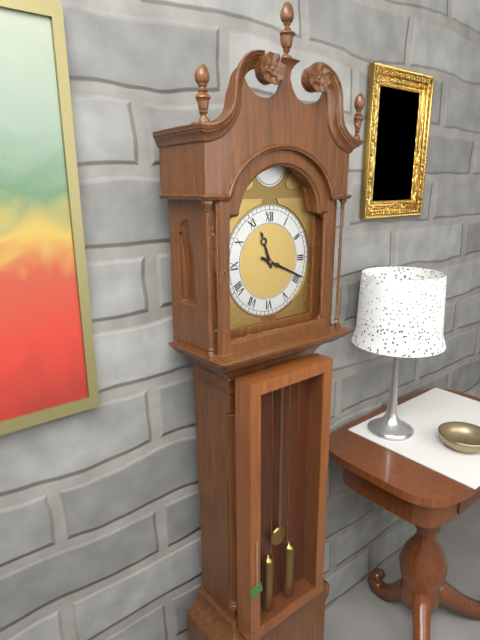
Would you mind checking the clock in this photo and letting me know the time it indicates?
11:19
